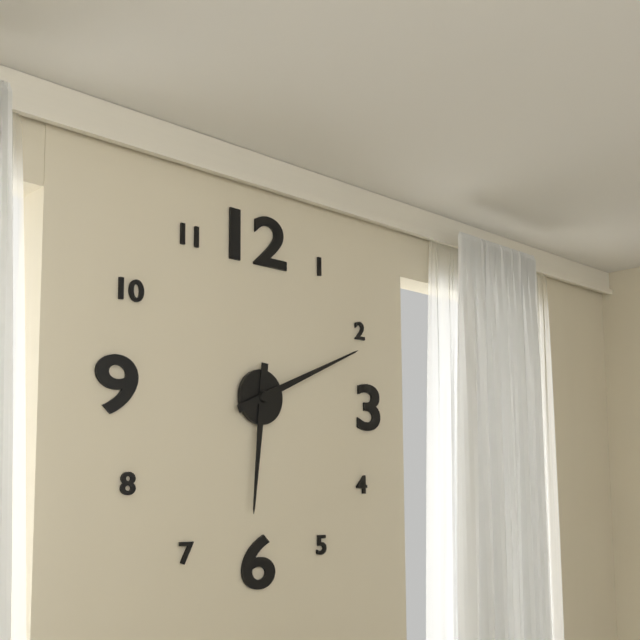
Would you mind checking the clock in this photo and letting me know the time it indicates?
6:11
